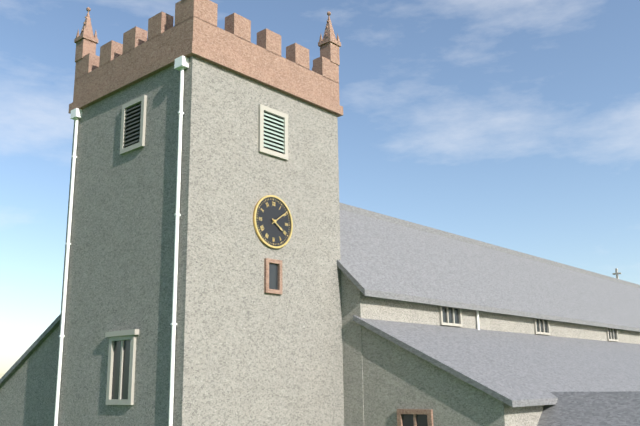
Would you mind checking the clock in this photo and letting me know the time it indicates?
4:09
